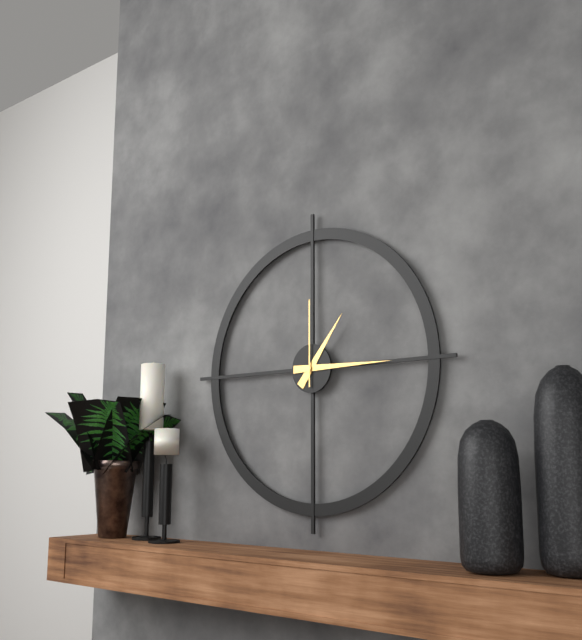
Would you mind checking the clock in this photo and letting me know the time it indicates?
1:15:00
